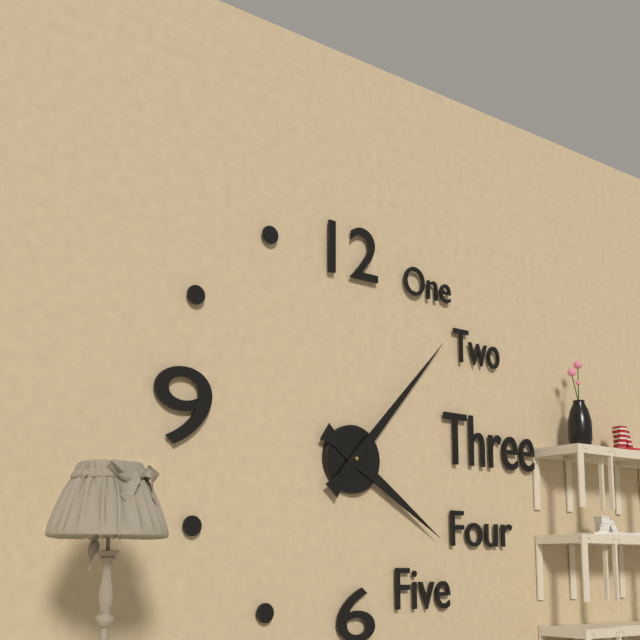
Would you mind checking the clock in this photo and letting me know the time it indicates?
4:07
